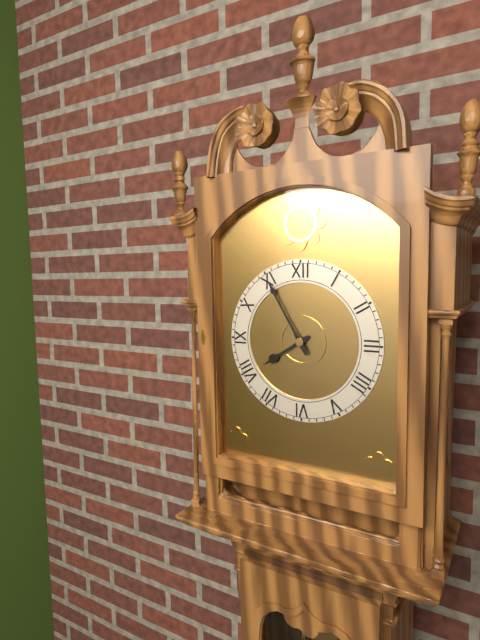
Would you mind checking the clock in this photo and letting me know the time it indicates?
7:55
